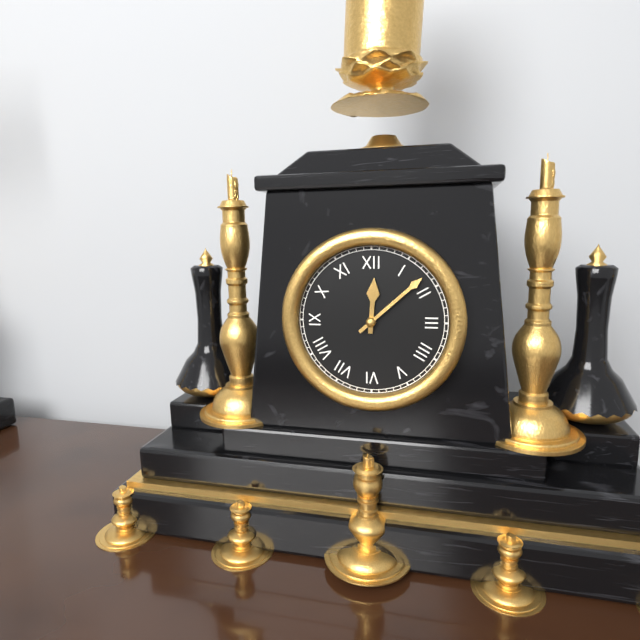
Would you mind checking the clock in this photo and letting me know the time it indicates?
12:08
